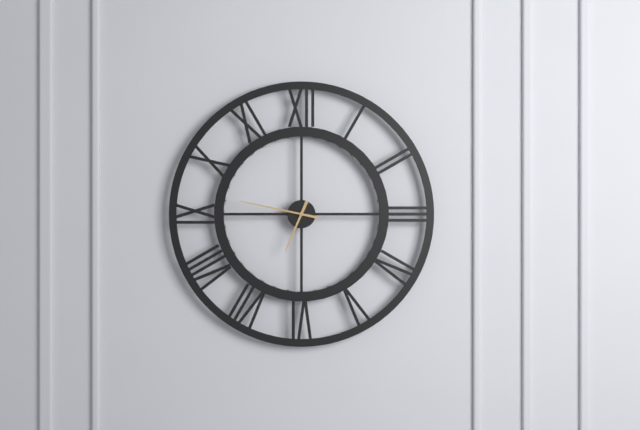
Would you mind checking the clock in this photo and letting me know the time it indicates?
6:47
